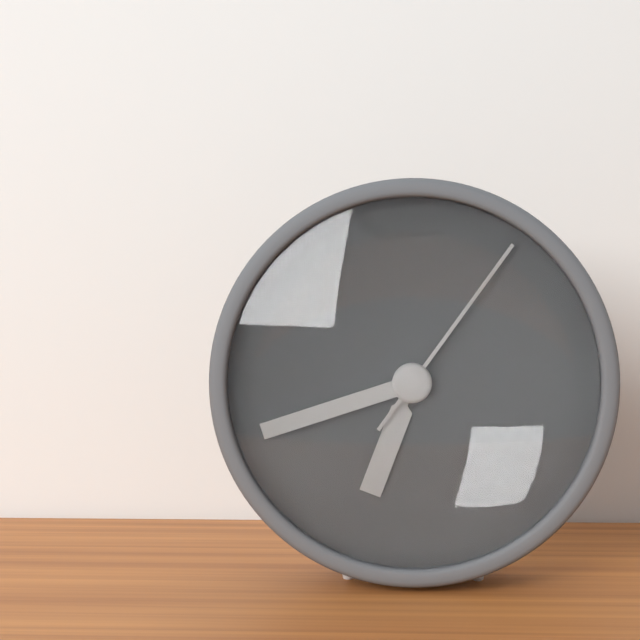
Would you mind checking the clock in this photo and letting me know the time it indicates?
6:42:06
